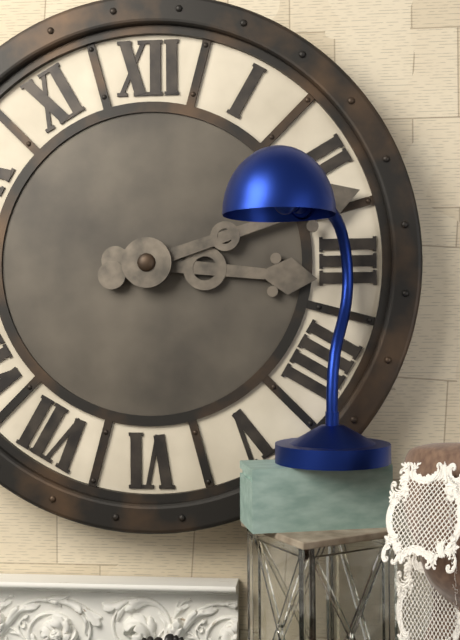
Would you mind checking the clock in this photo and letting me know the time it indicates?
3:12
